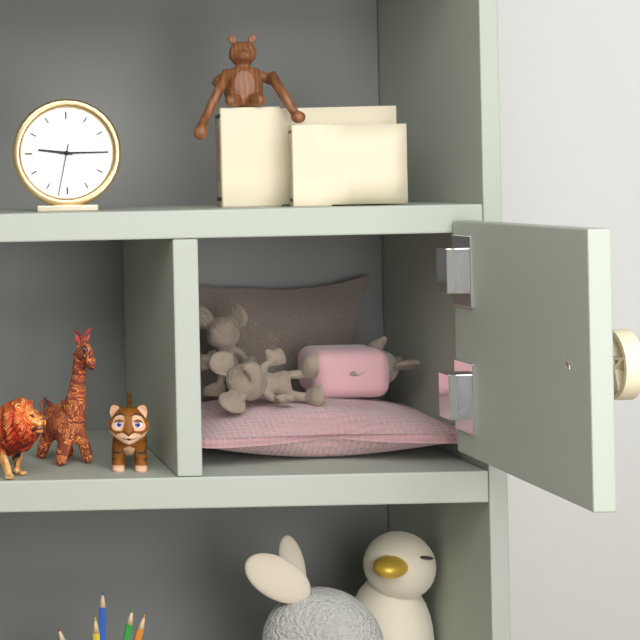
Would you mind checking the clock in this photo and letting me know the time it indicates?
9:15:32
